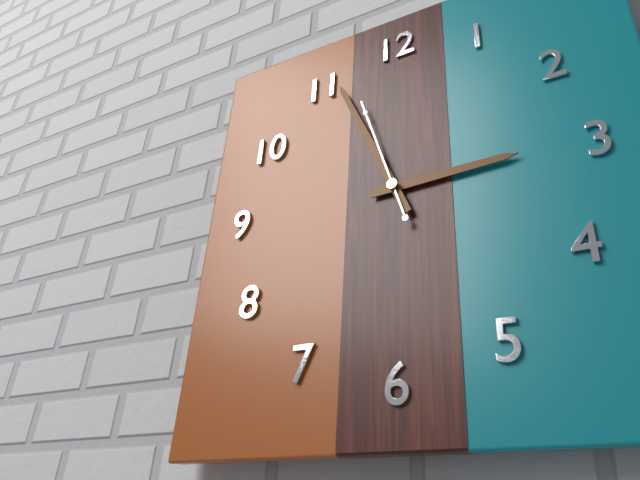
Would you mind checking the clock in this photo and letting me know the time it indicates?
2:56:57
